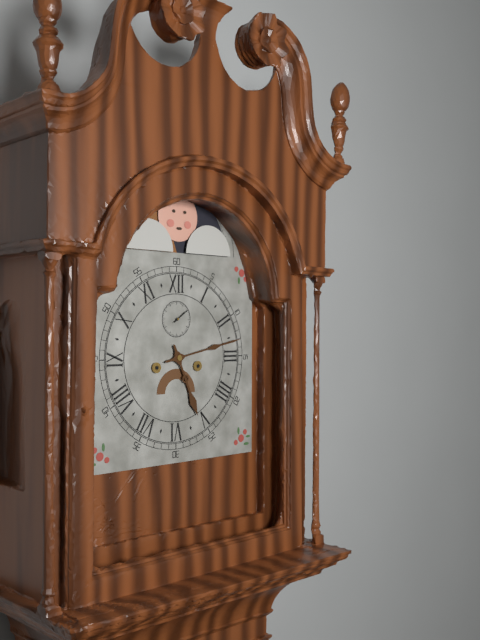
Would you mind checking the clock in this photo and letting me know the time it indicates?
5:13
